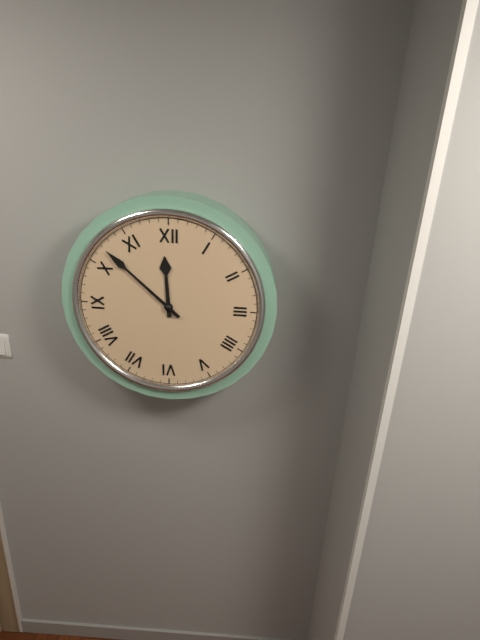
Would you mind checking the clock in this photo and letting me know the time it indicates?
11:52
